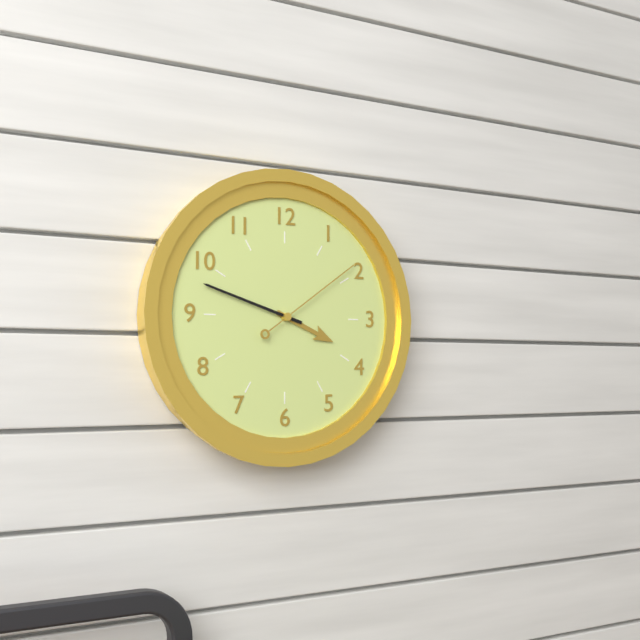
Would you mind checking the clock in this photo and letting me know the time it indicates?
3:48:09
